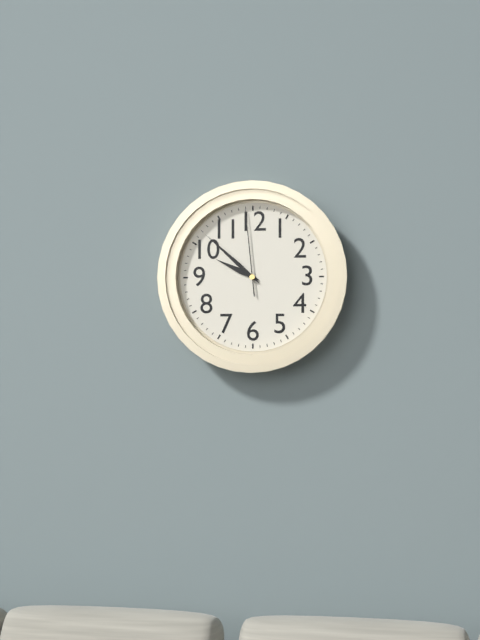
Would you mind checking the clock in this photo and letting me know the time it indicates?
9:52:59
